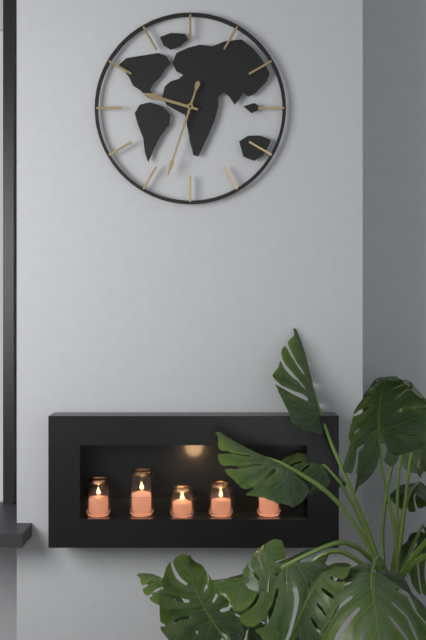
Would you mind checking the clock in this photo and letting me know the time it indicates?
9:33
